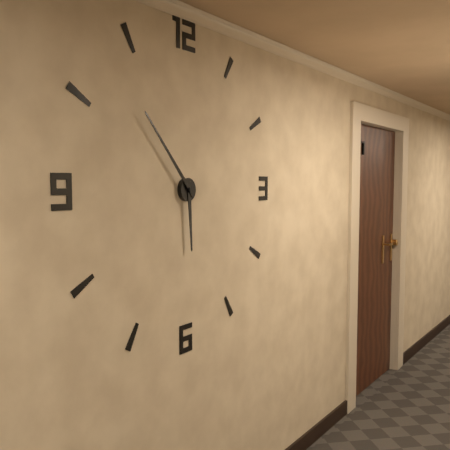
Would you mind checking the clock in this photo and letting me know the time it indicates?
5:53
